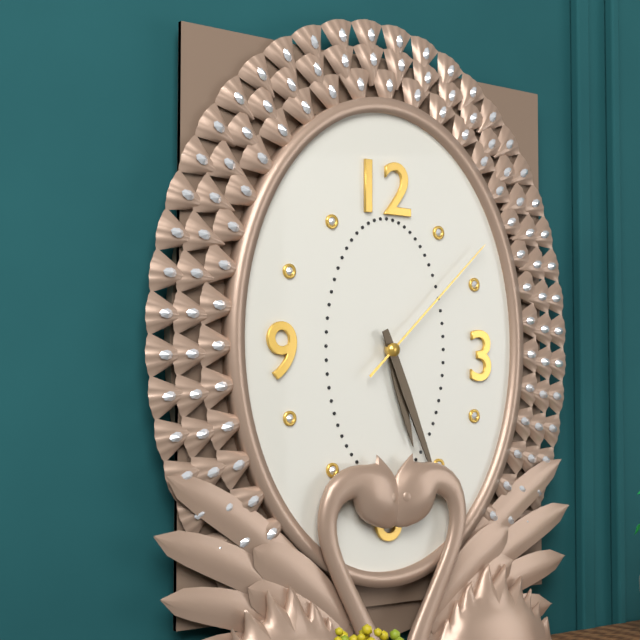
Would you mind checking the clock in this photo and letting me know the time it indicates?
5:26:08
